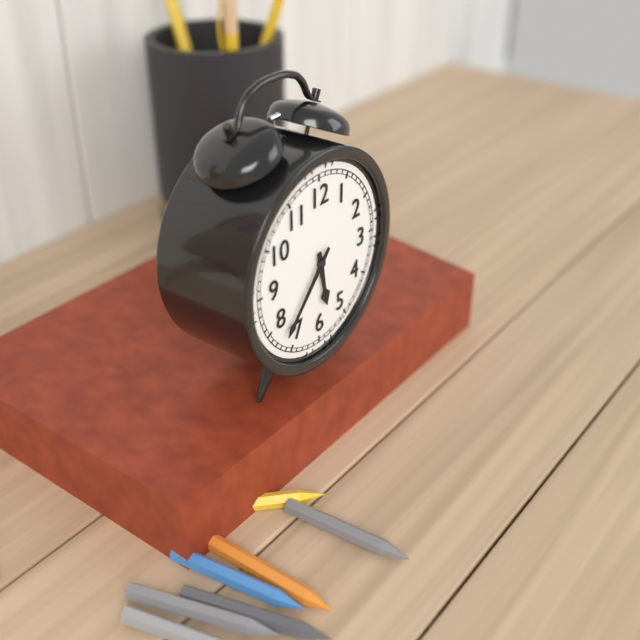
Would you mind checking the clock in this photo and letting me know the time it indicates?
5:37
